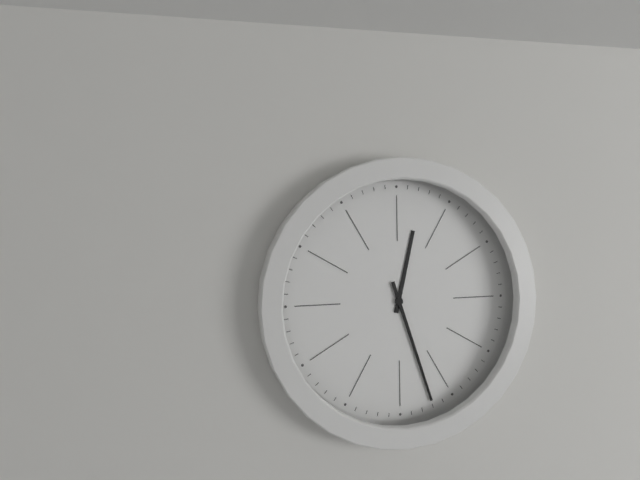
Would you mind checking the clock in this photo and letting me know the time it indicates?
12:27
